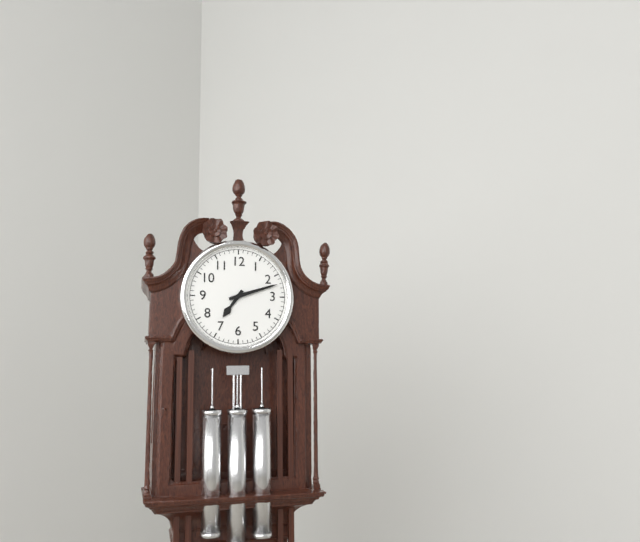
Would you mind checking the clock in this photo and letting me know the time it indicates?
7:12
